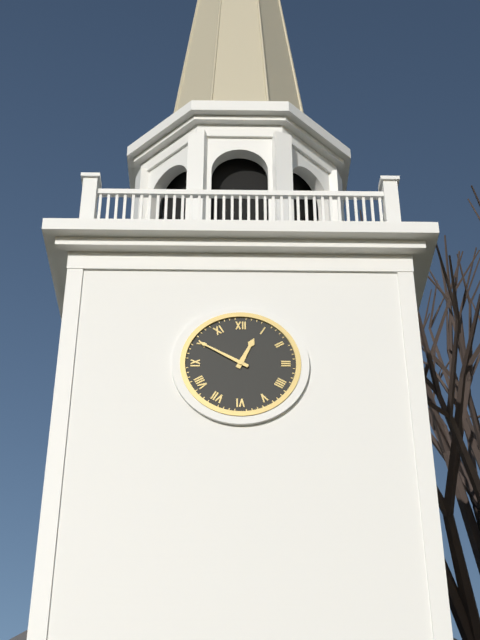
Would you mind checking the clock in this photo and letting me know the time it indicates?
12:50
